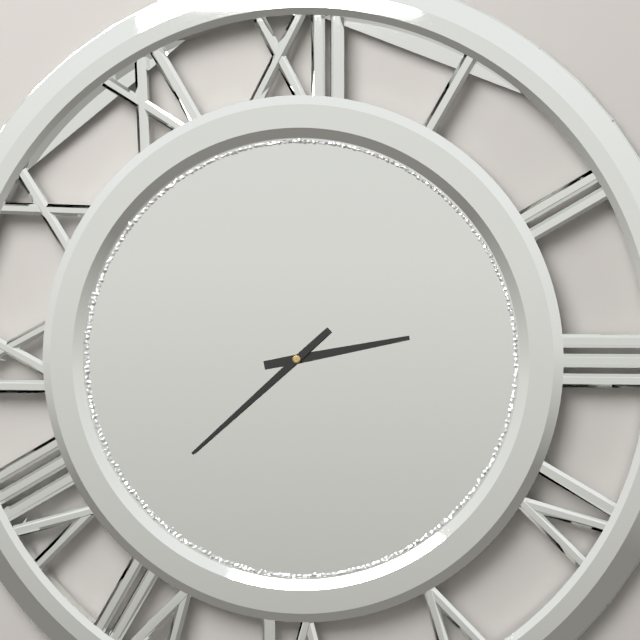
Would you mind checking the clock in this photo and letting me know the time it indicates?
2:38
